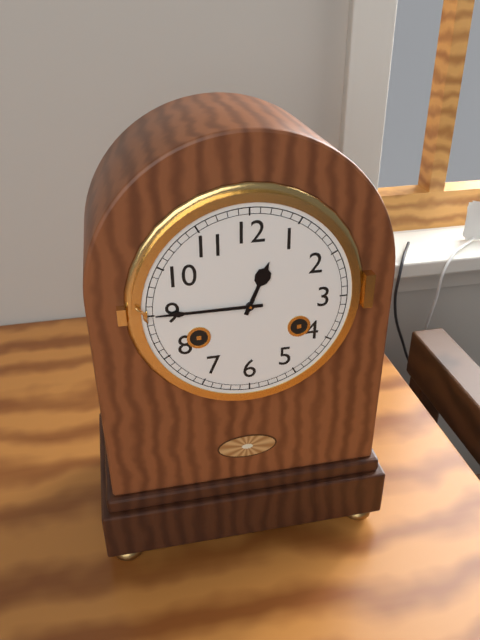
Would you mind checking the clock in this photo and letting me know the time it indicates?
12:45
